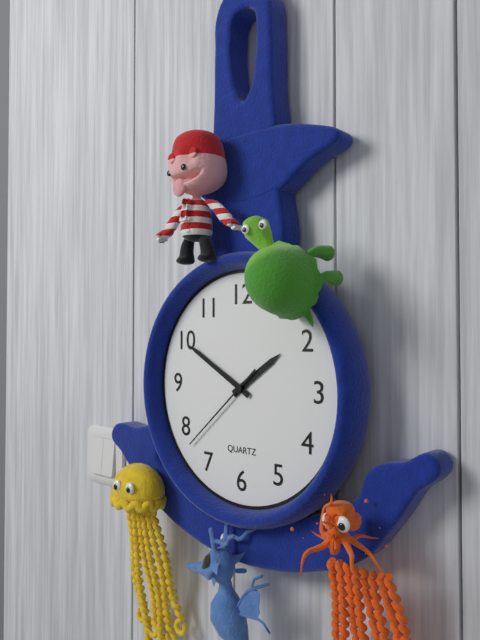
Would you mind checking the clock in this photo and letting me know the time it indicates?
1:50:38
